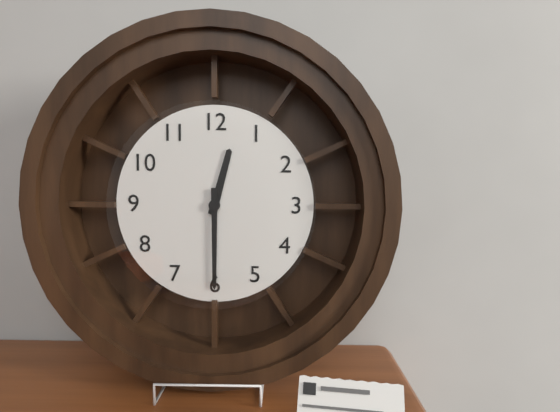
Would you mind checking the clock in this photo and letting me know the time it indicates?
12:30
